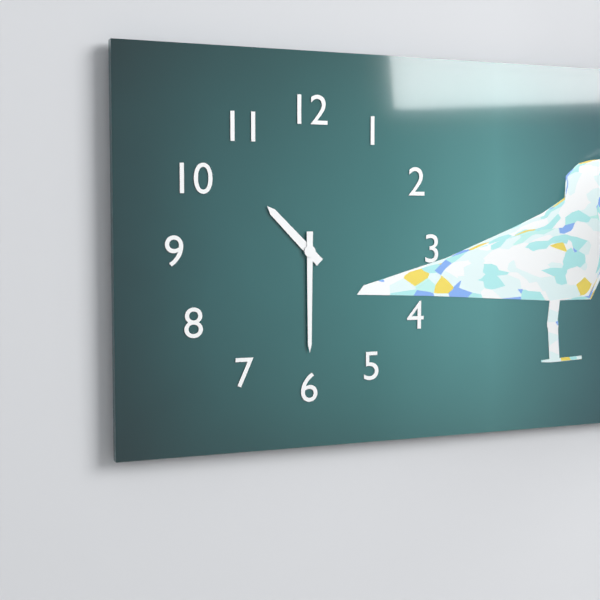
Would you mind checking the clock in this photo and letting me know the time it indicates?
10:30
